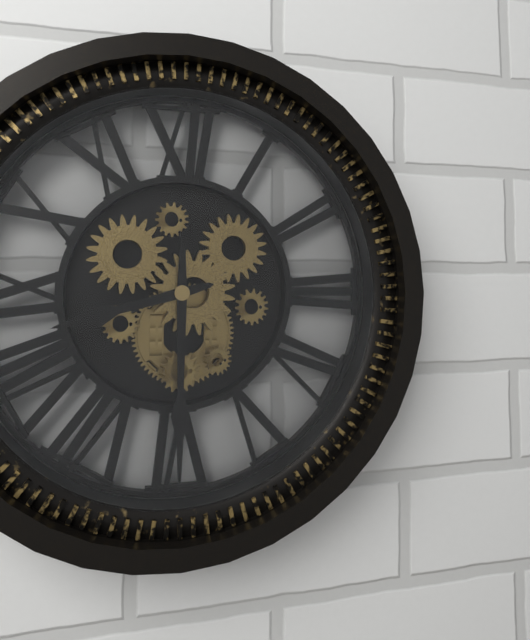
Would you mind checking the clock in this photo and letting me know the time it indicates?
8:30
